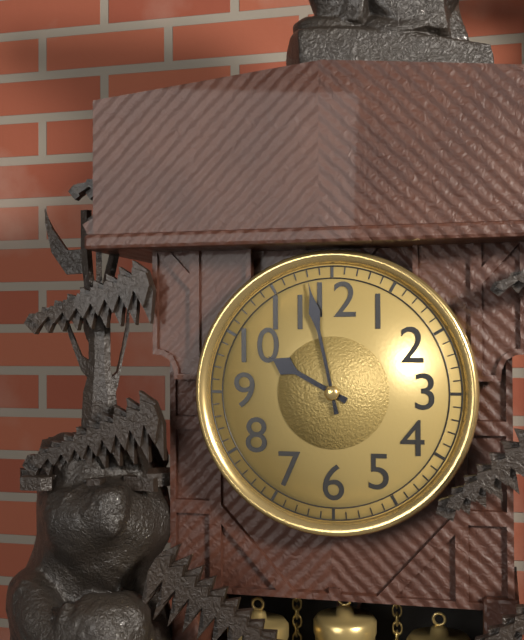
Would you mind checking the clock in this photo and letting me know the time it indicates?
9:58
